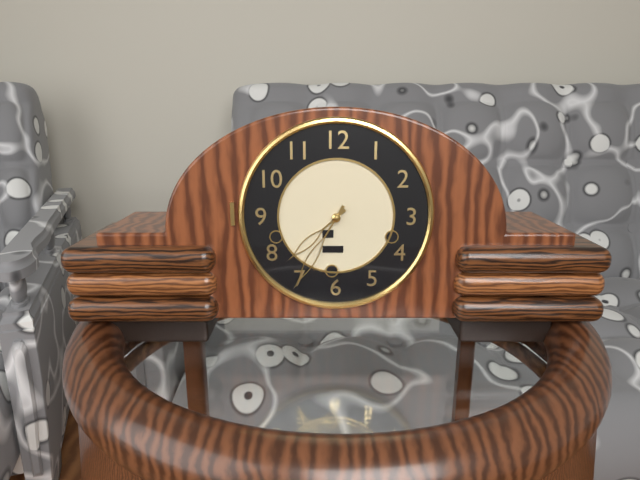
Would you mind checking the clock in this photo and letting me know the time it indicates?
7:35
